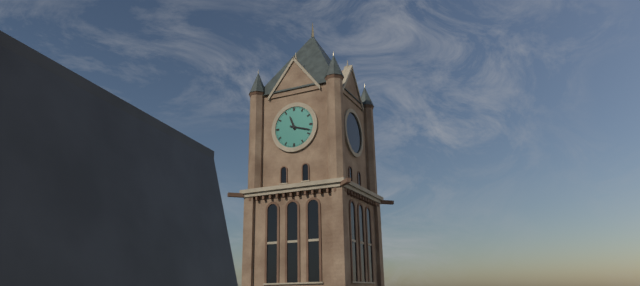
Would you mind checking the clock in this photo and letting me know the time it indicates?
11:18
